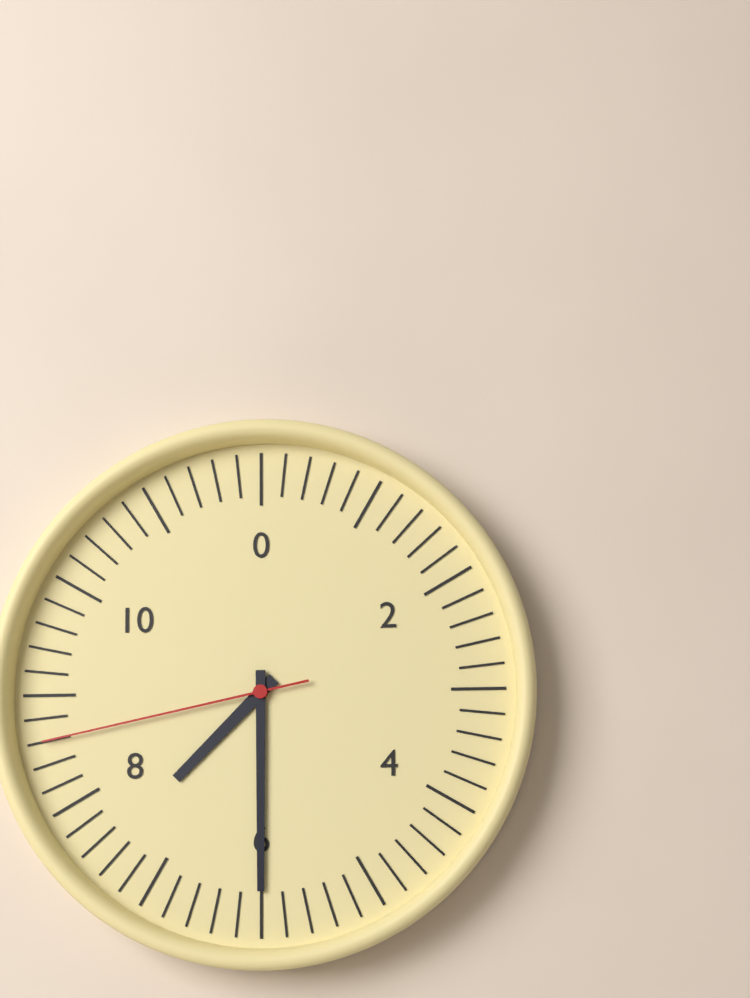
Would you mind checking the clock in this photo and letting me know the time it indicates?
7:30:43
